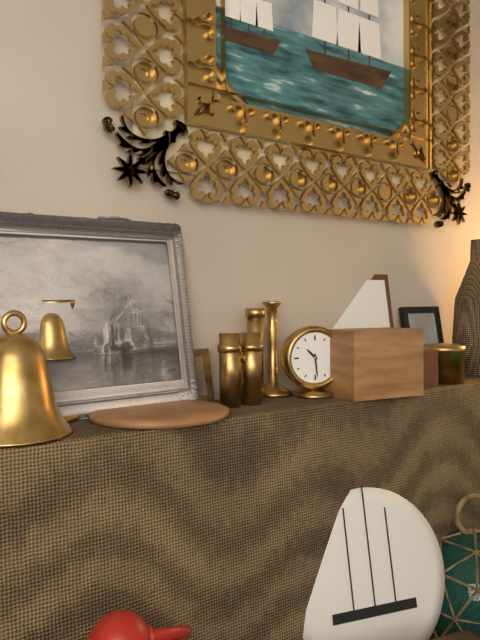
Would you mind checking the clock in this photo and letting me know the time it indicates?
10:29
